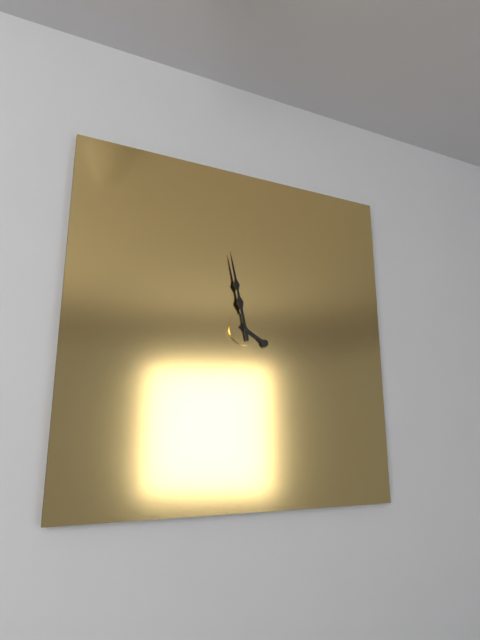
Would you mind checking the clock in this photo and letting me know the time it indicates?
3:58
